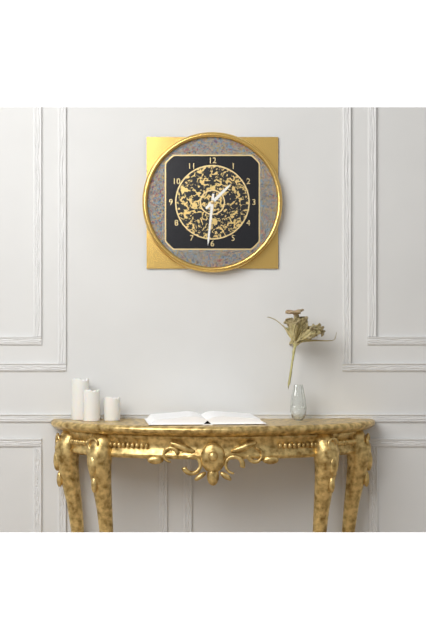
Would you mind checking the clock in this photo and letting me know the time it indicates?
1:31
